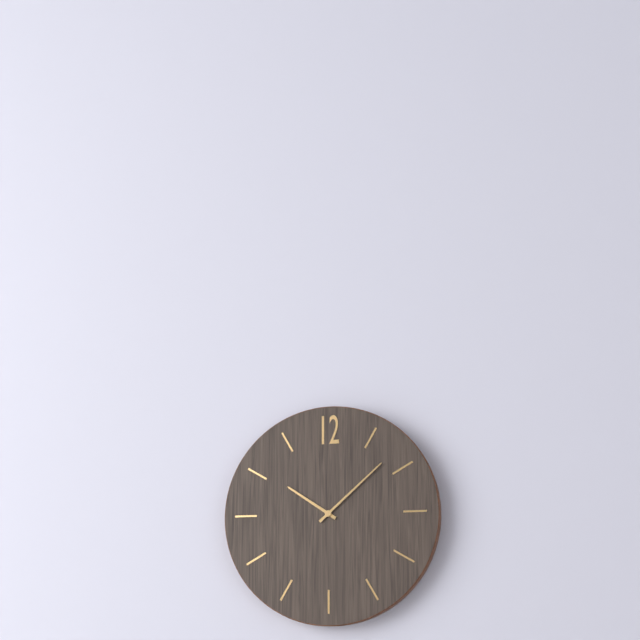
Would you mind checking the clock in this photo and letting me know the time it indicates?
10:08
